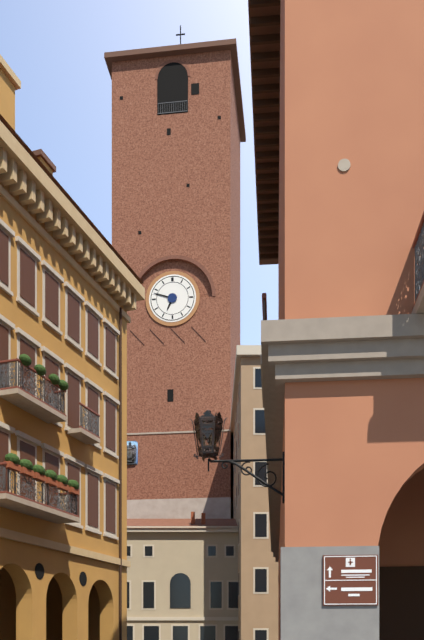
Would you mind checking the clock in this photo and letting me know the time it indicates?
6:48
